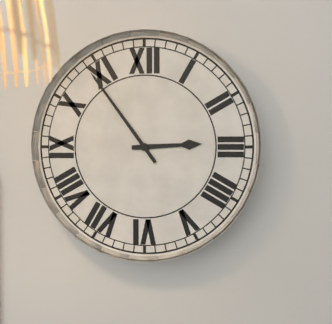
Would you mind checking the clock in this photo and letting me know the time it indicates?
2:54
